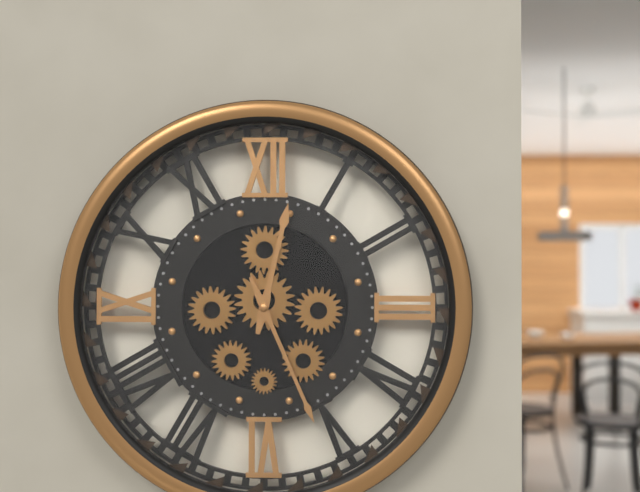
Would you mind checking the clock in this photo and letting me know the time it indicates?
12:26
